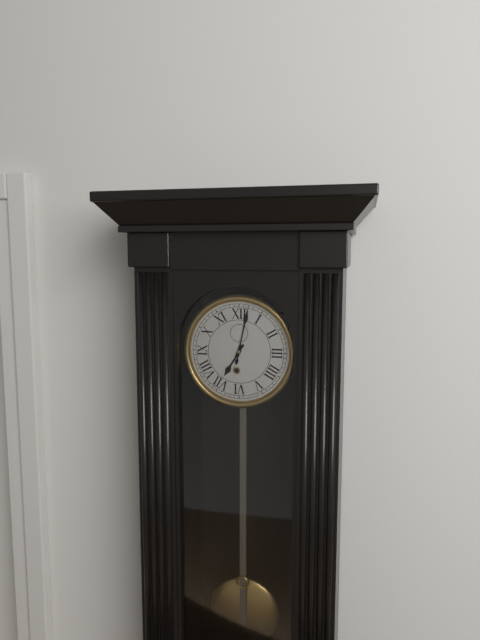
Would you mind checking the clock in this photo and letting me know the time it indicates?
7:02
